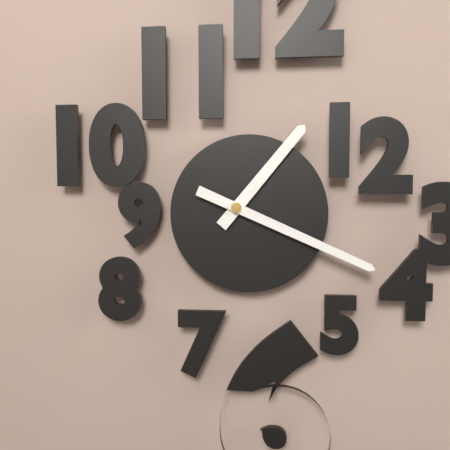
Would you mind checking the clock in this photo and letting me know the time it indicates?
1:19
